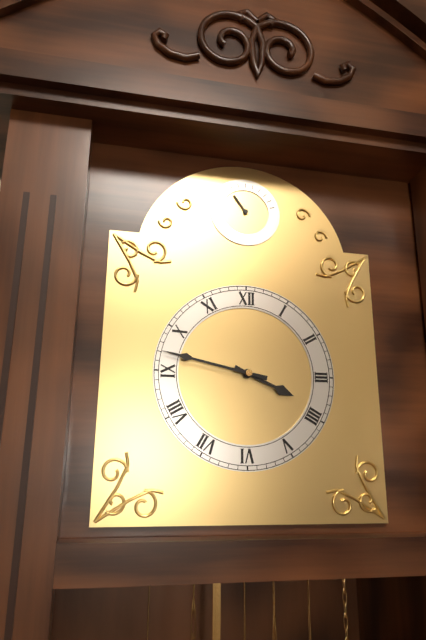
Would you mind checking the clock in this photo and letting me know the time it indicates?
3:47
